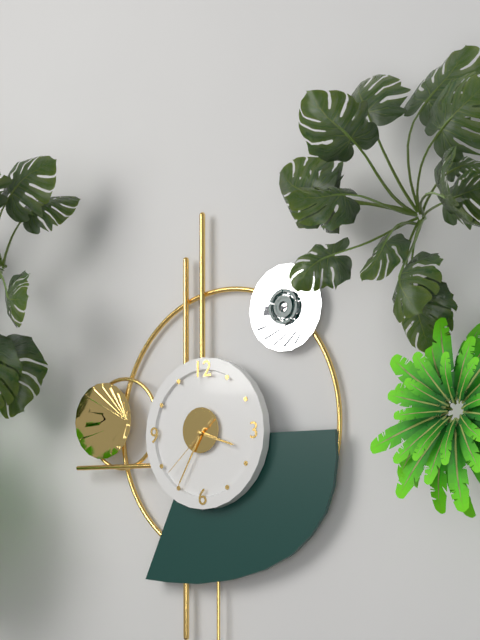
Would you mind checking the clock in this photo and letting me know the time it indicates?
3:35:38
